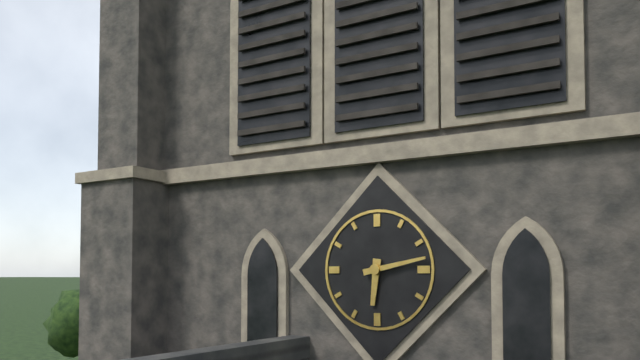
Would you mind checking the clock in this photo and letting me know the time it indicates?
6:13
